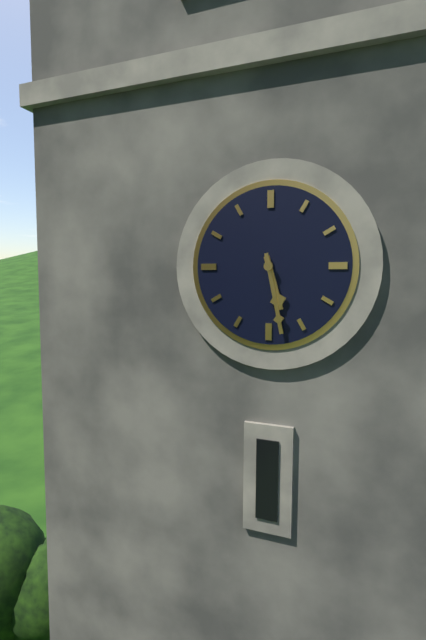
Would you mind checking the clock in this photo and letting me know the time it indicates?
5:28
